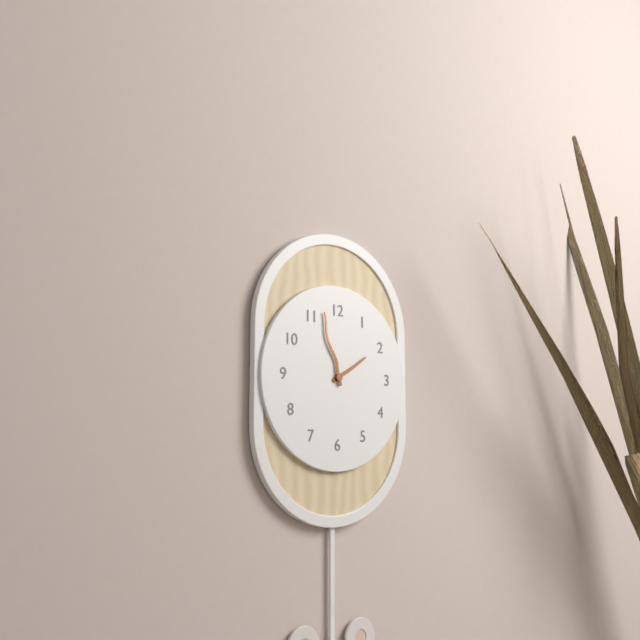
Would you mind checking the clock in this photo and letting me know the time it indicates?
1:57
